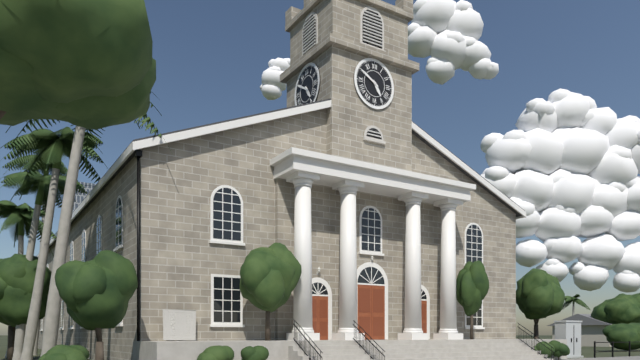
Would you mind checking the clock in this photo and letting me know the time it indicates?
4:50
